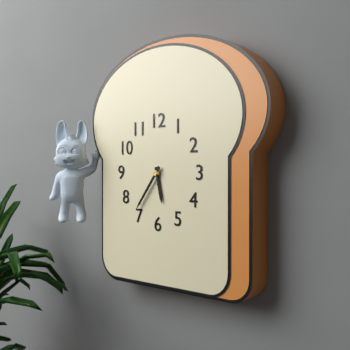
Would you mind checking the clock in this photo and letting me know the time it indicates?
5:36
